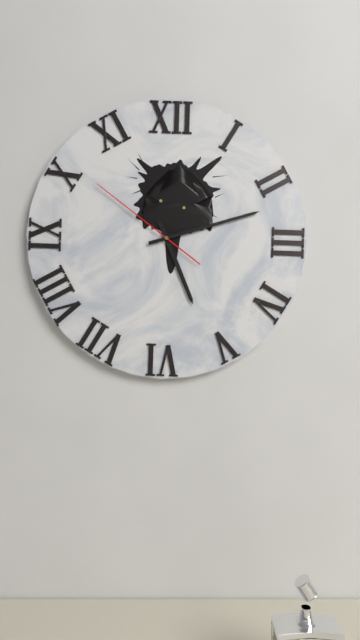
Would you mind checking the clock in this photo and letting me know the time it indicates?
5:12:51
